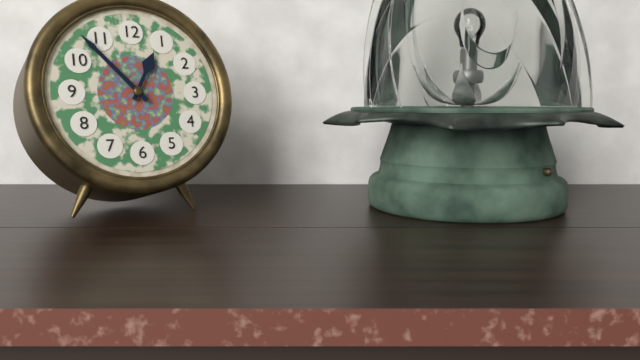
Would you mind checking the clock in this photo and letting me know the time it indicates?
12:53
